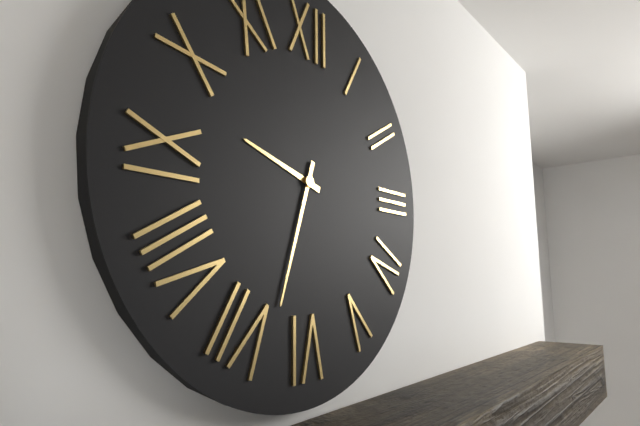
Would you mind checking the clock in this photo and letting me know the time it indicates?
9:33
